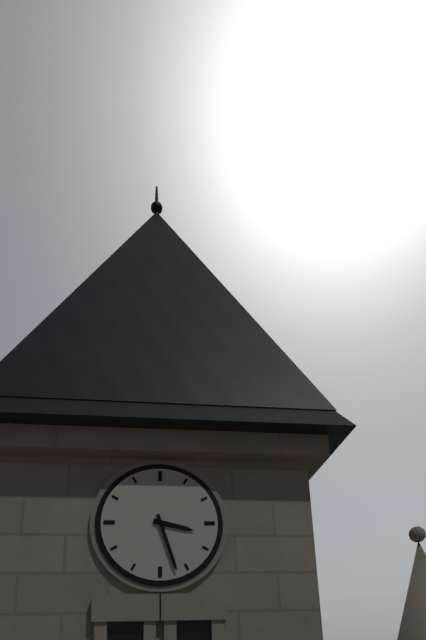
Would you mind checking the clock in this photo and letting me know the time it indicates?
3:27
